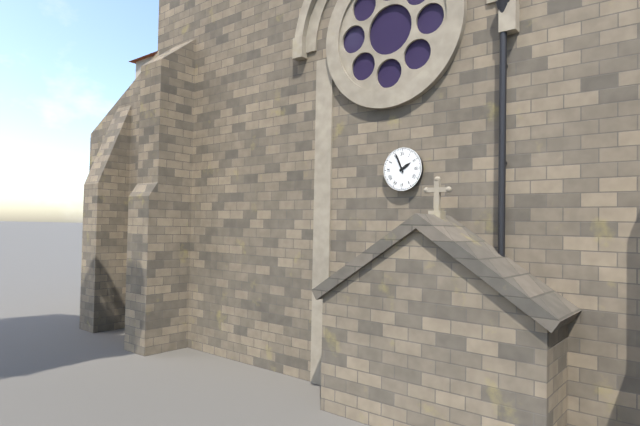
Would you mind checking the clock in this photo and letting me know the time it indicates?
1:56
